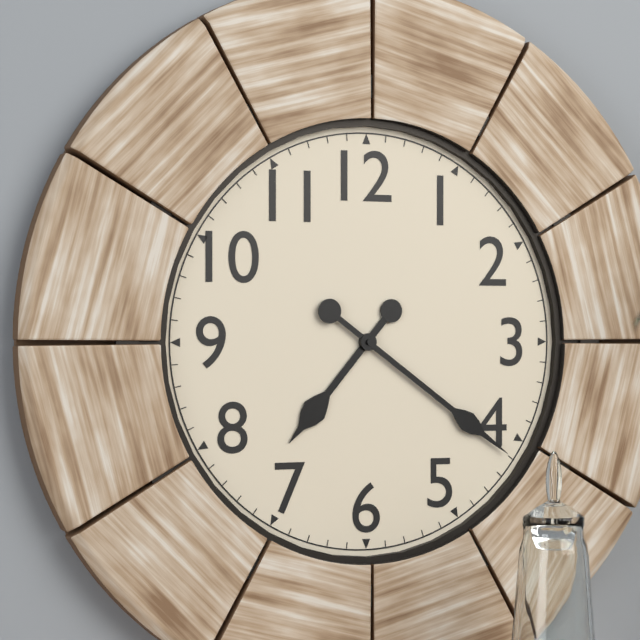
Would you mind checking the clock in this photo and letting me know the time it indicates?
7:21
